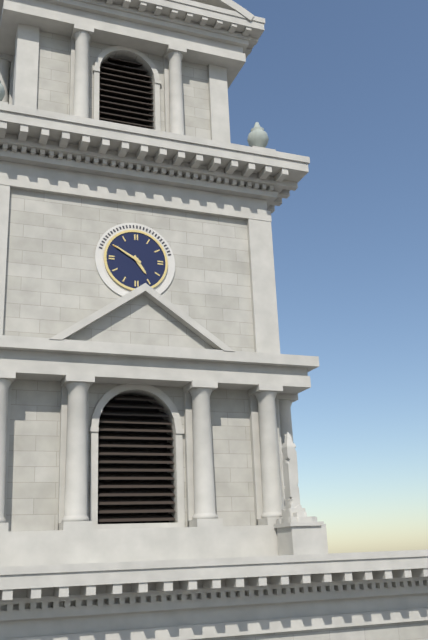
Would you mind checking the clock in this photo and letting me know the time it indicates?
4:50
